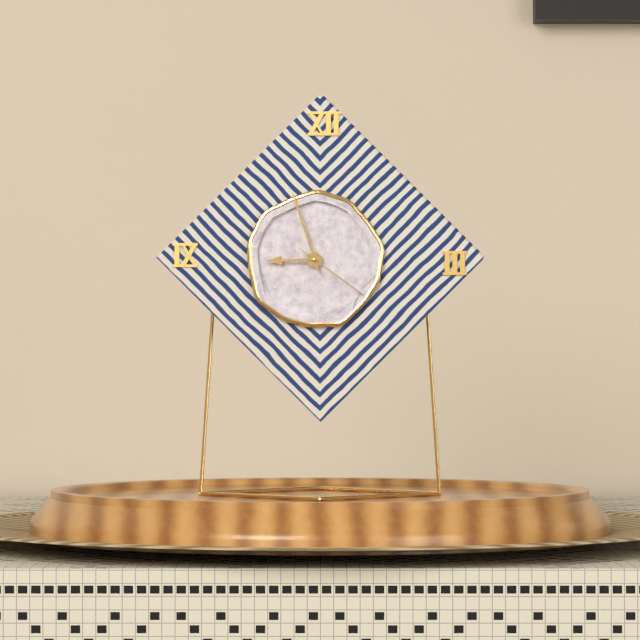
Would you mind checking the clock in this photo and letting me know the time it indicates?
8:57:21
